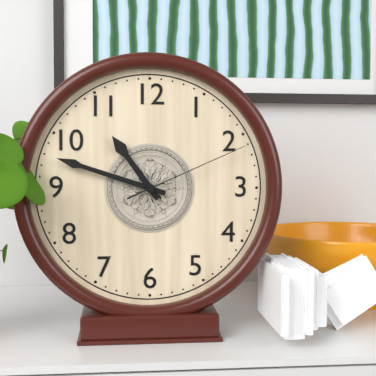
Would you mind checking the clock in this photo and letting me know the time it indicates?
10:48:11
